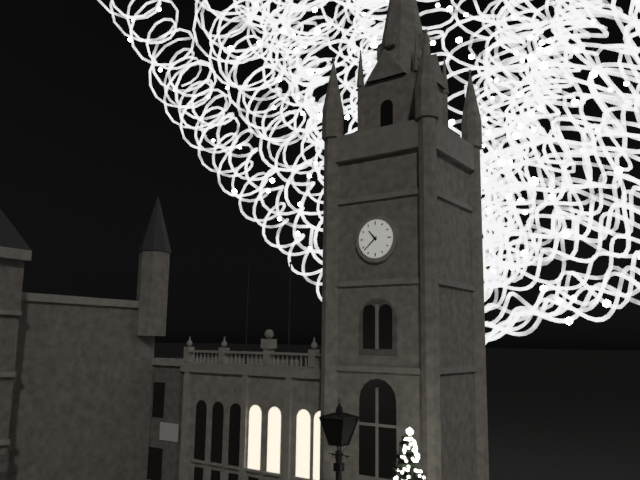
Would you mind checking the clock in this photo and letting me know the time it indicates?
10:38
